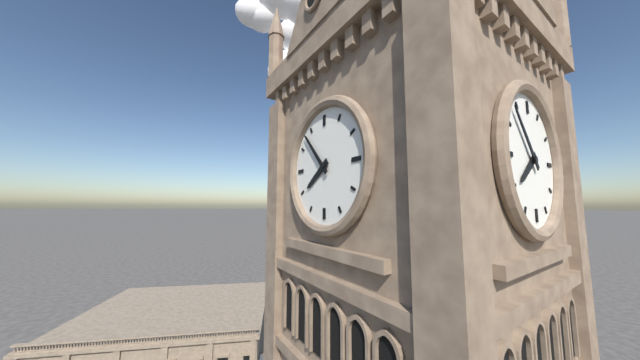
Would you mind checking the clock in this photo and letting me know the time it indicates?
7:53
